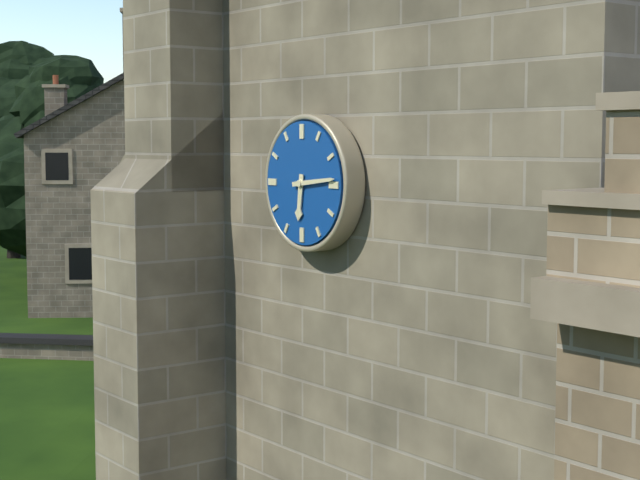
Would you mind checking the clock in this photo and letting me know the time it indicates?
6:14
